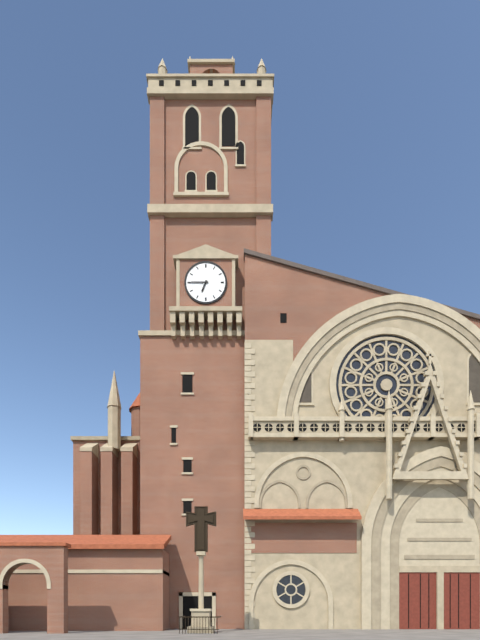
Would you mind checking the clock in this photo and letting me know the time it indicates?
6:45
